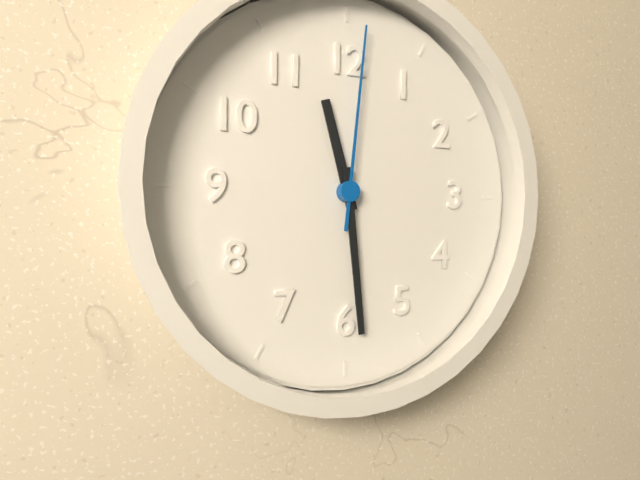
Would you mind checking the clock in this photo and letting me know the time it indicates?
11:29:01
